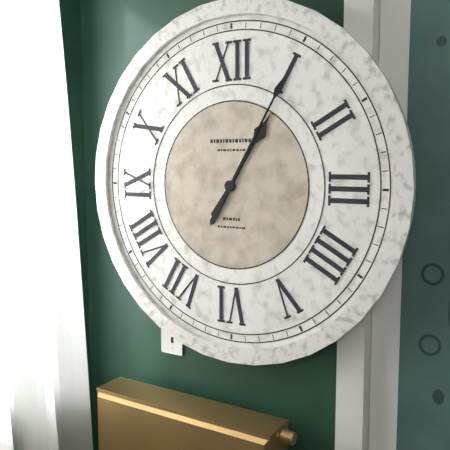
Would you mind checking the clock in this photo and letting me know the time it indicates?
1:05
